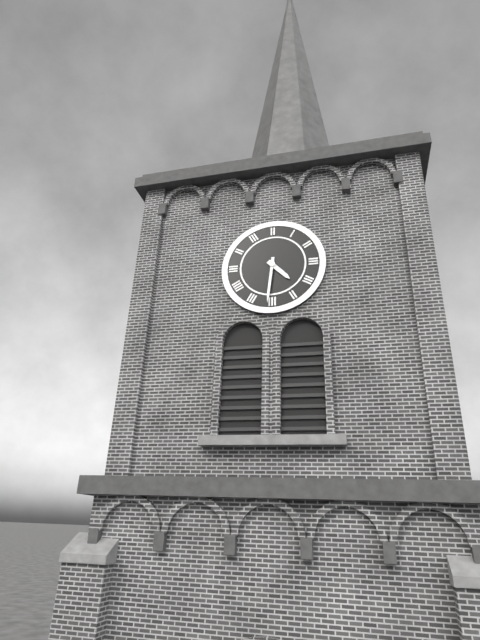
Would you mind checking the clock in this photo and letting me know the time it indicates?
4:31
